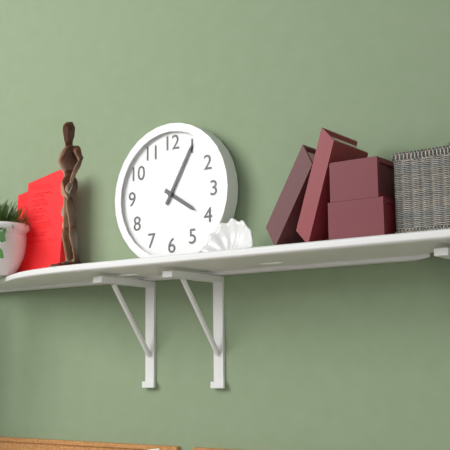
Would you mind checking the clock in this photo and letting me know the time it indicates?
4:05
